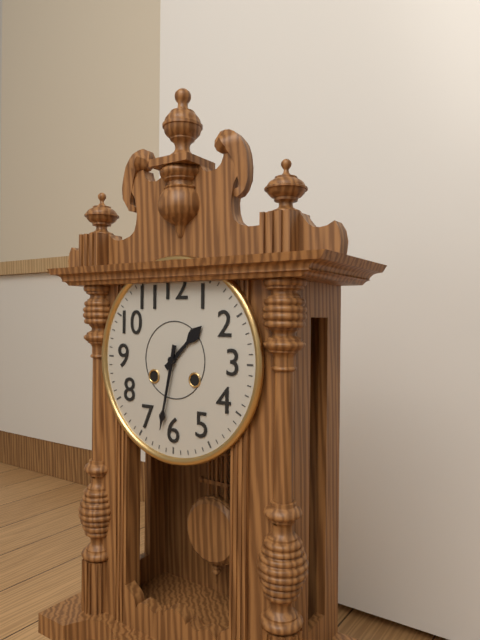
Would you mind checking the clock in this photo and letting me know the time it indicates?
1:32
